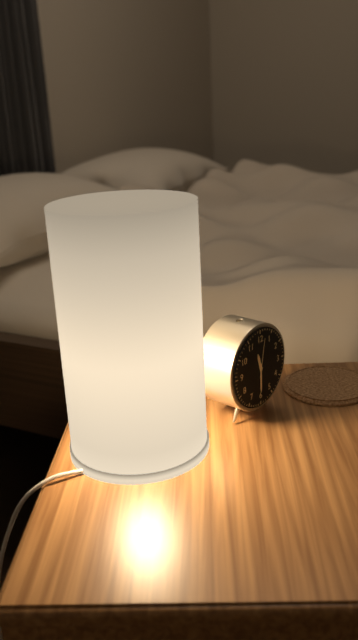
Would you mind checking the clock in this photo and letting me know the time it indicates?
11:30
